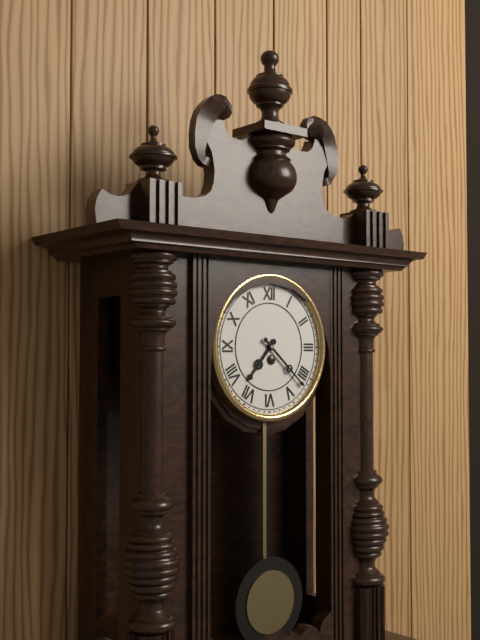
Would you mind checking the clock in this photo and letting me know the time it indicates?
7:22
